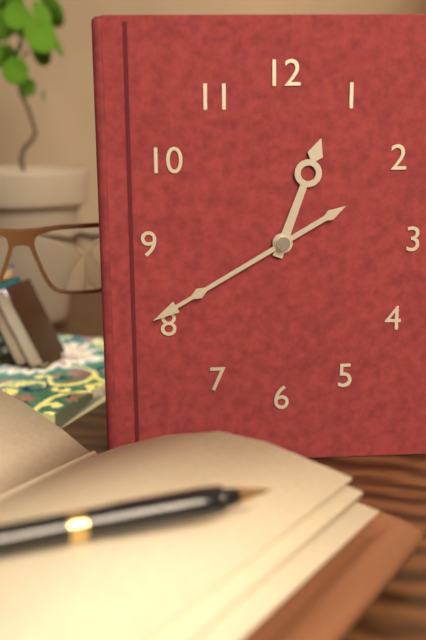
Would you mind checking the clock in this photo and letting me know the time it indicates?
12:40
